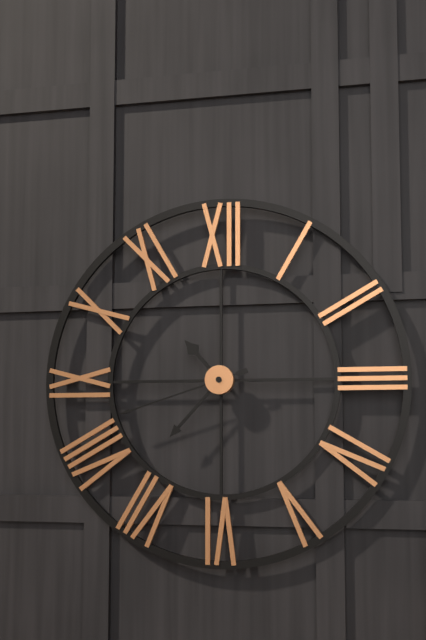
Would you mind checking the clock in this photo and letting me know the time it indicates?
10:37:42
